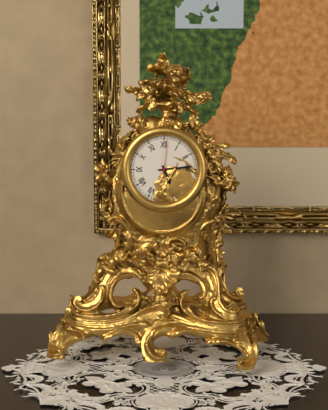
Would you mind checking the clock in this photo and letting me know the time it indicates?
5:14
